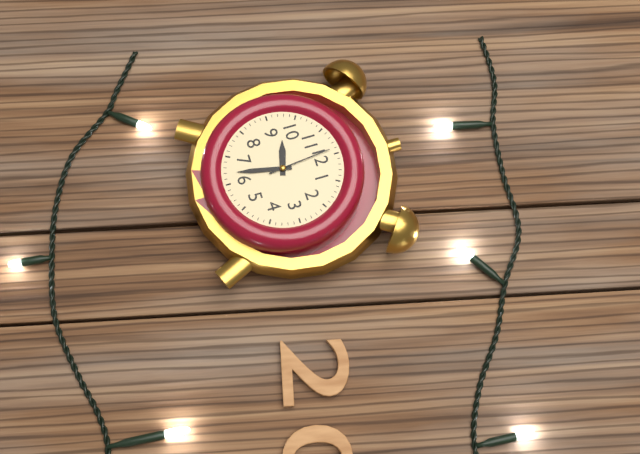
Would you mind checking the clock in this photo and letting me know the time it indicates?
9:32:59
